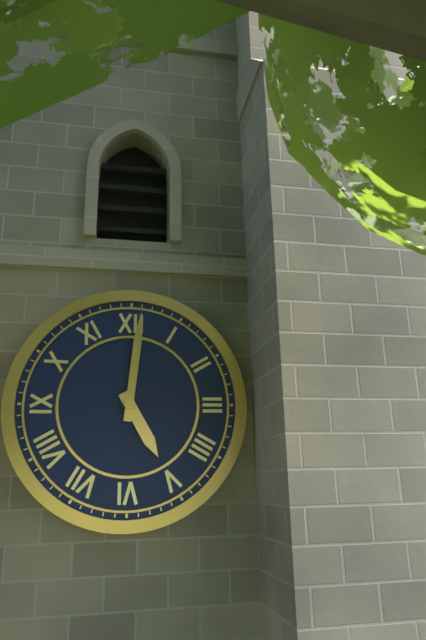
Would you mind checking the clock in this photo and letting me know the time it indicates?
5:01
